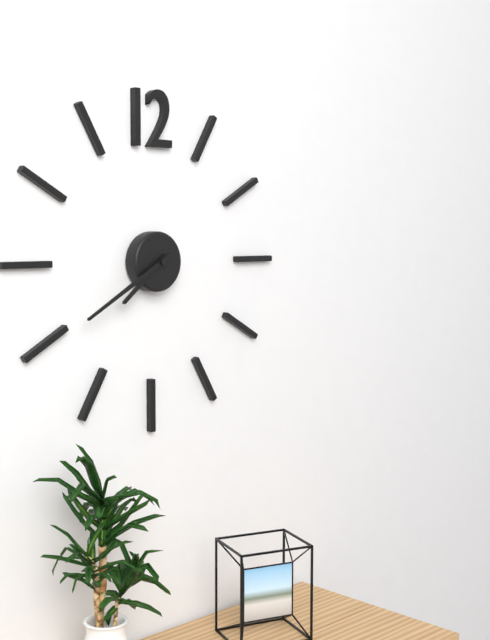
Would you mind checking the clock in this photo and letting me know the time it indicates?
7:40
